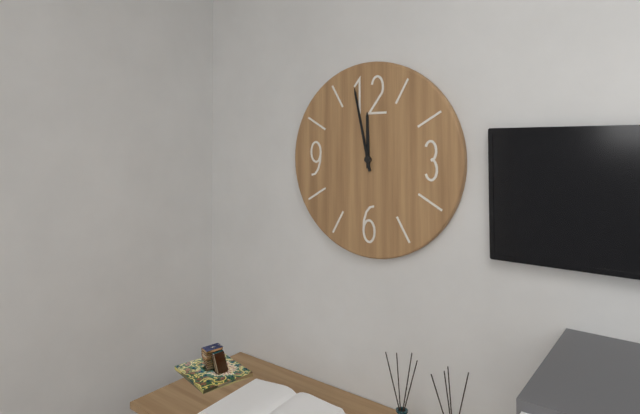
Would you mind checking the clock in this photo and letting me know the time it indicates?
11:58
